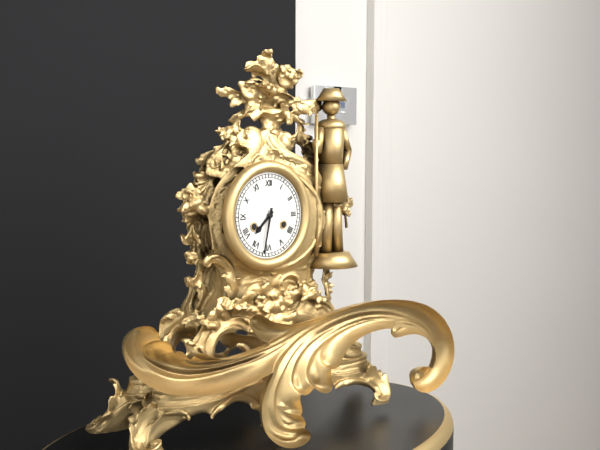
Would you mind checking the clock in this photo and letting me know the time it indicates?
7:32
